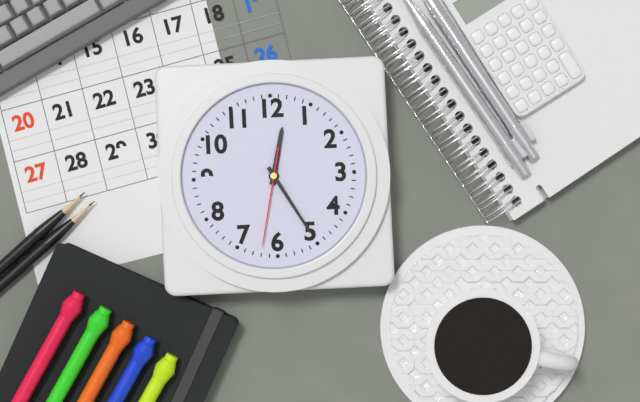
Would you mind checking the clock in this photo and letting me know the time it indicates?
12:25:32
